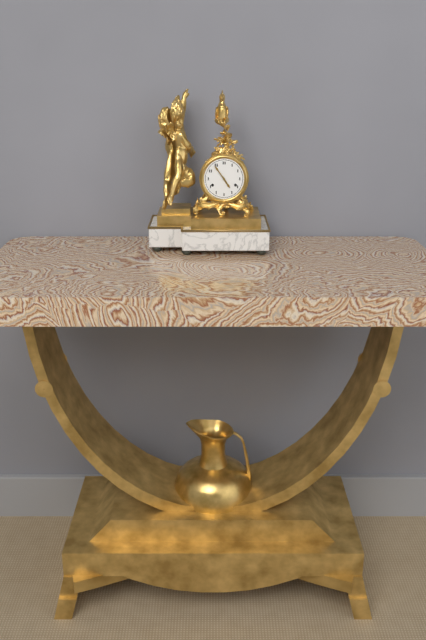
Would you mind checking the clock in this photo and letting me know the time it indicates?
4:54
